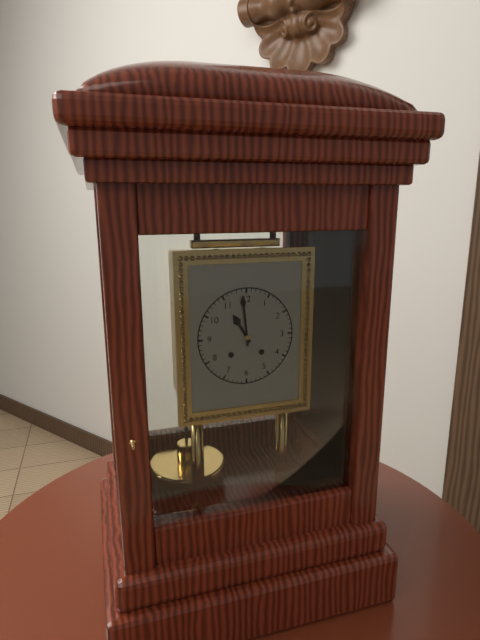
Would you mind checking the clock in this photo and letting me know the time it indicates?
10:59
